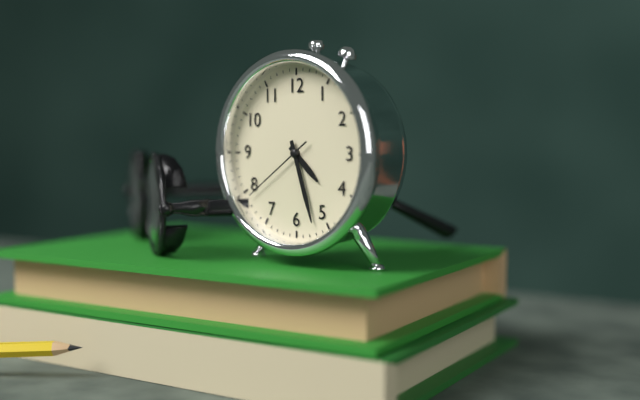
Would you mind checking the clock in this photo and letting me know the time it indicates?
4:27:39
